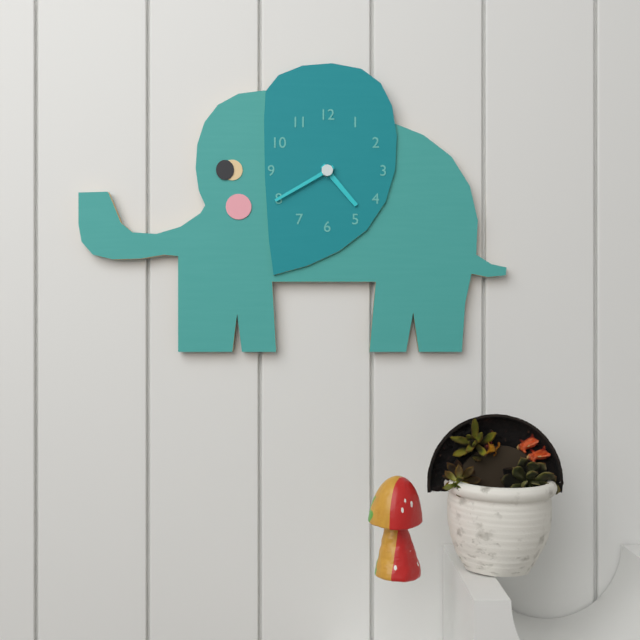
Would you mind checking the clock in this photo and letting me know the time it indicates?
4:40
